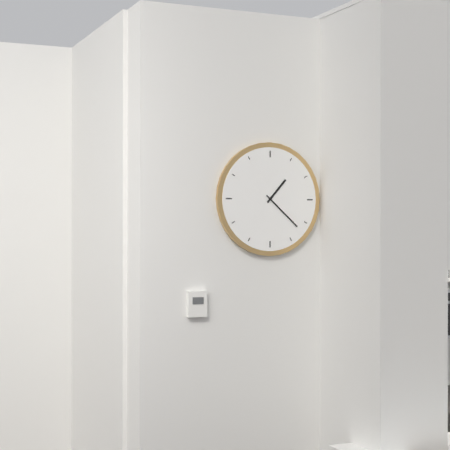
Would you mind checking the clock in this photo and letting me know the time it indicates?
1:22
